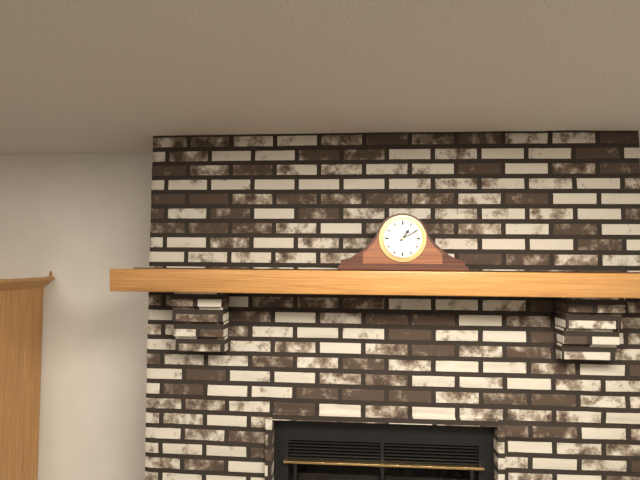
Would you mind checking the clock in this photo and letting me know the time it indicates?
1:10
